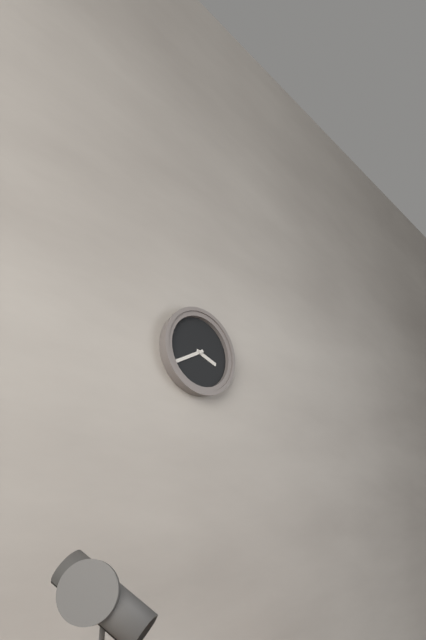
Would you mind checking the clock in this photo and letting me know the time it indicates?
3:40
